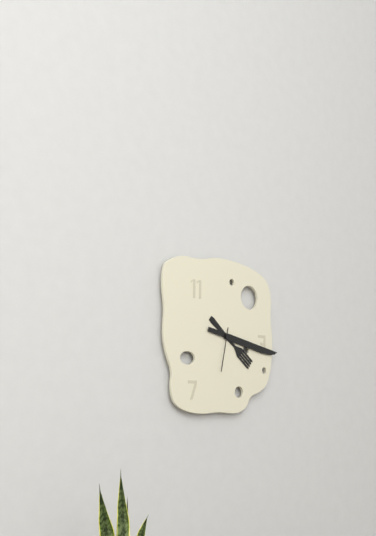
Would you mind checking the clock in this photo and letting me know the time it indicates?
4:17
